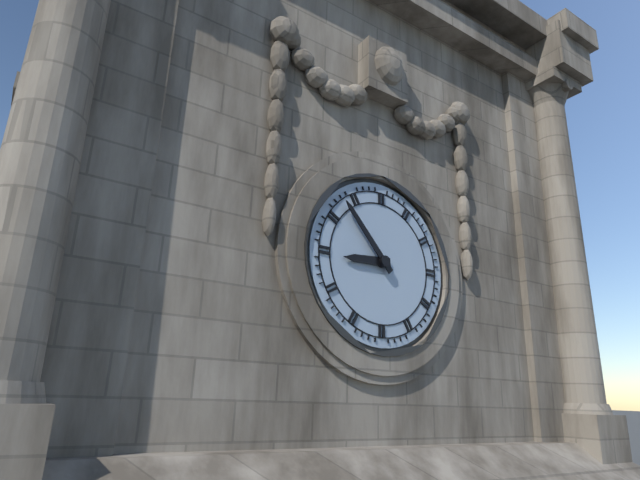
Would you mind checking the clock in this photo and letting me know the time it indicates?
8:53
